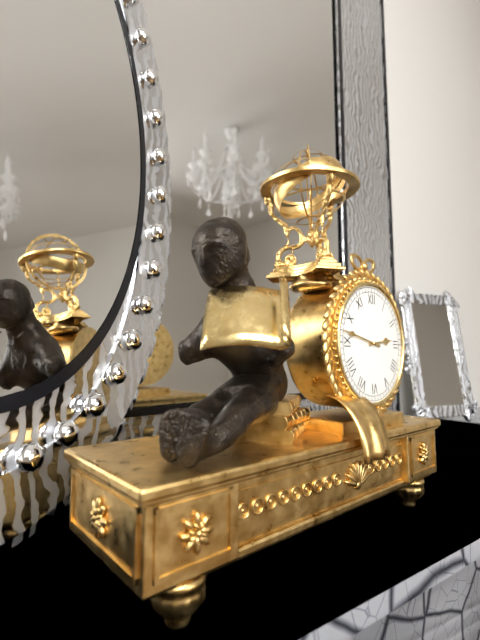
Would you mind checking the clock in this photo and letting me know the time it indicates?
2:47
